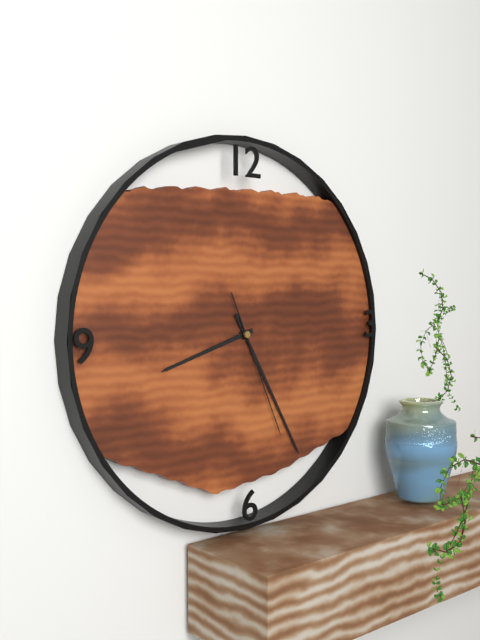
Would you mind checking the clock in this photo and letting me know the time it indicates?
8:25:26
